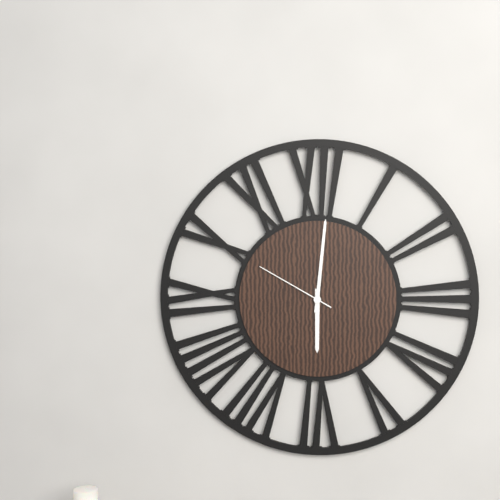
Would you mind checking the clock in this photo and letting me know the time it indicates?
6:01:50
